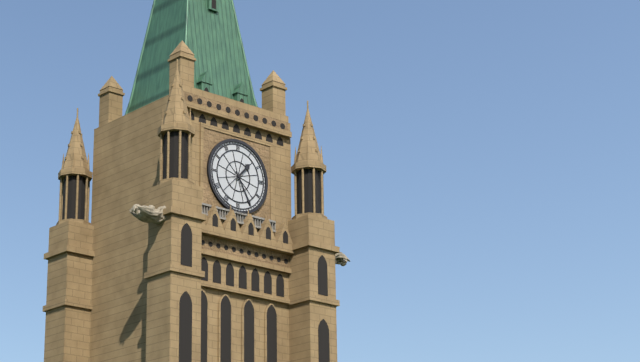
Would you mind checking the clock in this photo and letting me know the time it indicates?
1:25
